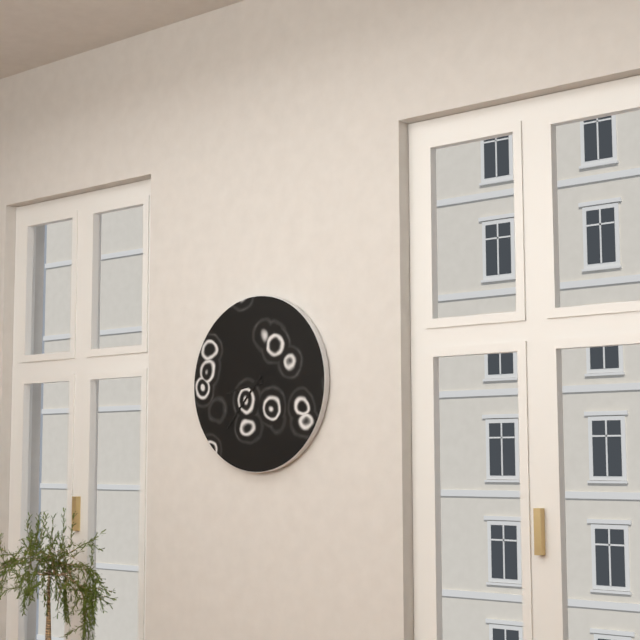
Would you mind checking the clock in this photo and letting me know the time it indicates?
8:37
